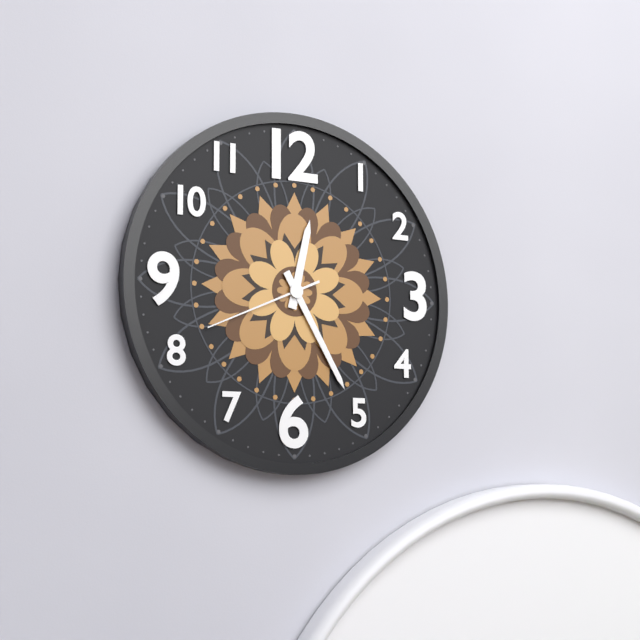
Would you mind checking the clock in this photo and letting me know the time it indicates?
12:25:41
